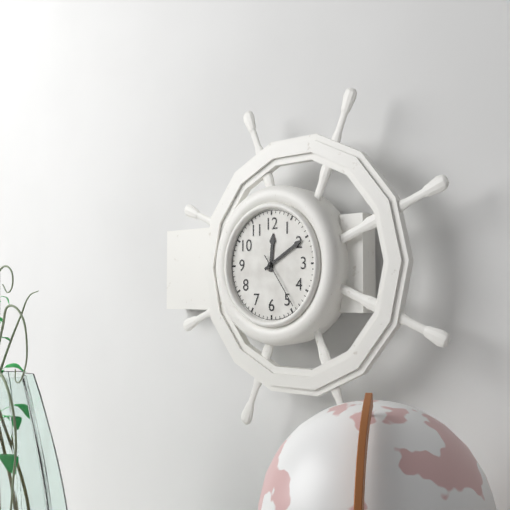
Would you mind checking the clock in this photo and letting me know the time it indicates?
12:10:24
